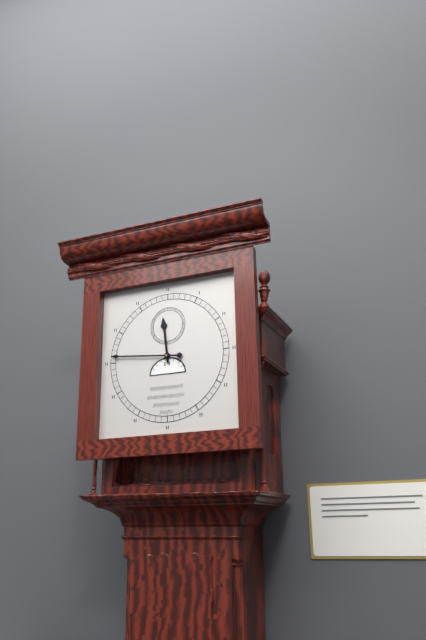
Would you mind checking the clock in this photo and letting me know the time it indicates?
11:46
